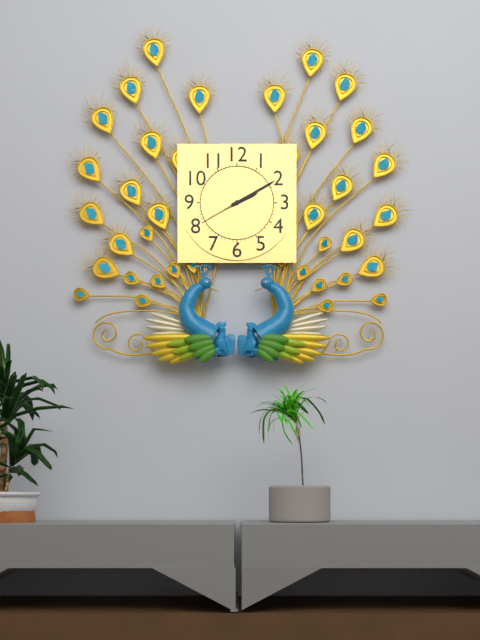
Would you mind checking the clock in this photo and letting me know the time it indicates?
2:10
